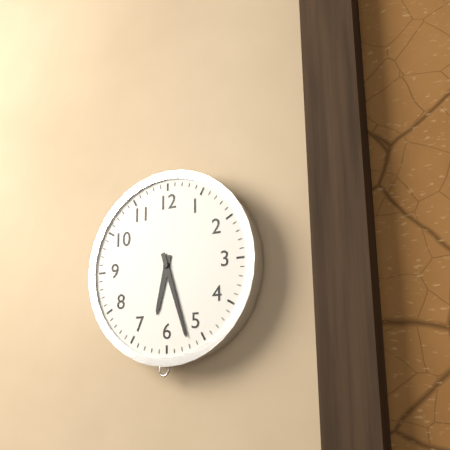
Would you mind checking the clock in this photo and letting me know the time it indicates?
6:27
